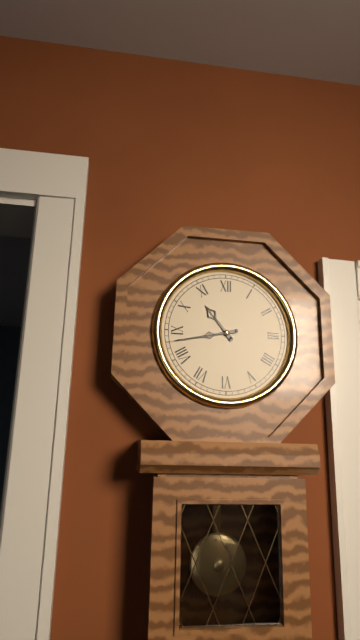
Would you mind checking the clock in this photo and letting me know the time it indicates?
10:43
